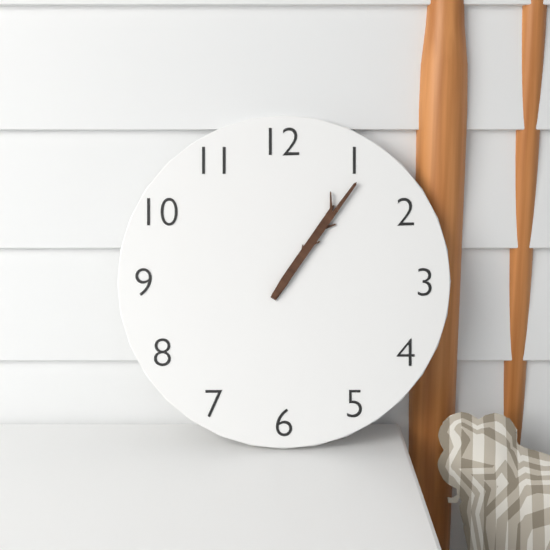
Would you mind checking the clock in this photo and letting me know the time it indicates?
1:06
